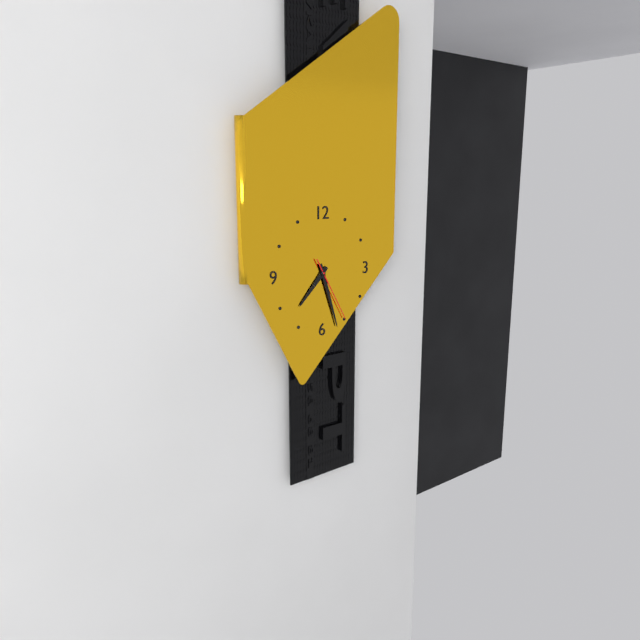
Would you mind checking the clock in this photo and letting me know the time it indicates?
7:27:25
